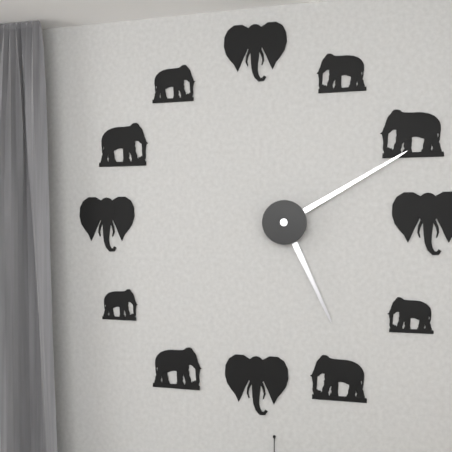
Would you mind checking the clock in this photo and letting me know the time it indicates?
5:10
